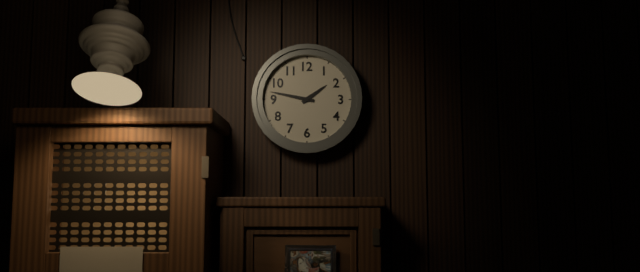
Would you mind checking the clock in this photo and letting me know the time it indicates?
1:47
